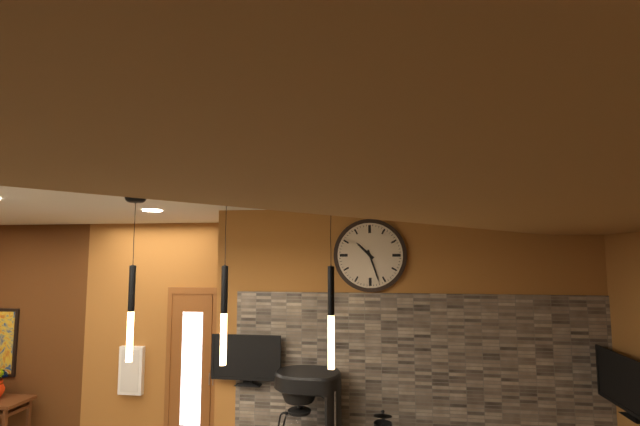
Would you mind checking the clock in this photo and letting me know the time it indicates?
10:27
